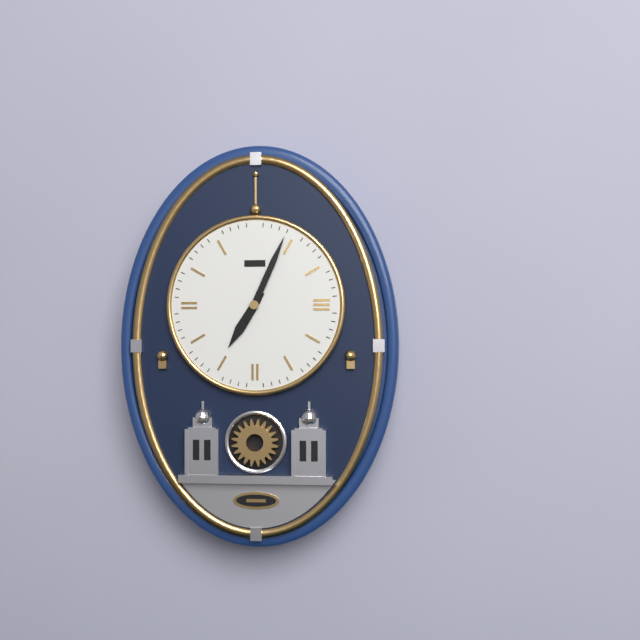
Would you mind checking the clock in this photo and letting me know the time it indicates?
7:04
